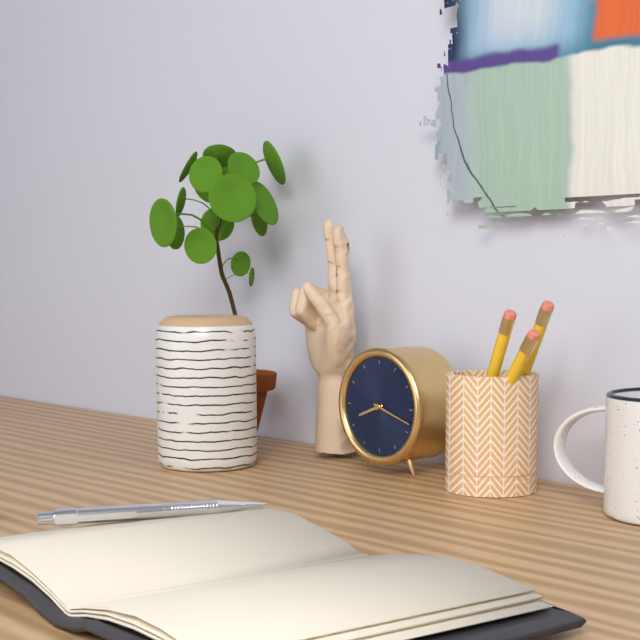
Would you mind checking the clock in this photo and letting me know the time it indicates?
8:18
